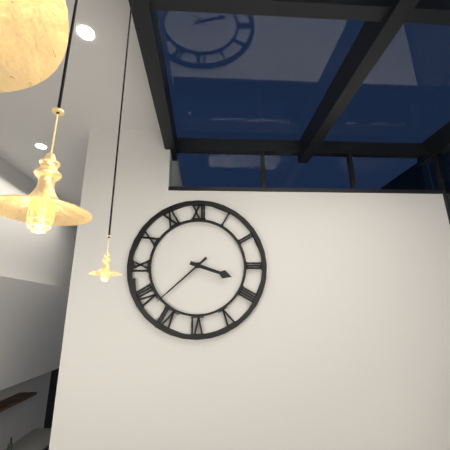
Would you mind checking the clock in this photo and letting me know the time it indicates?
3:38
